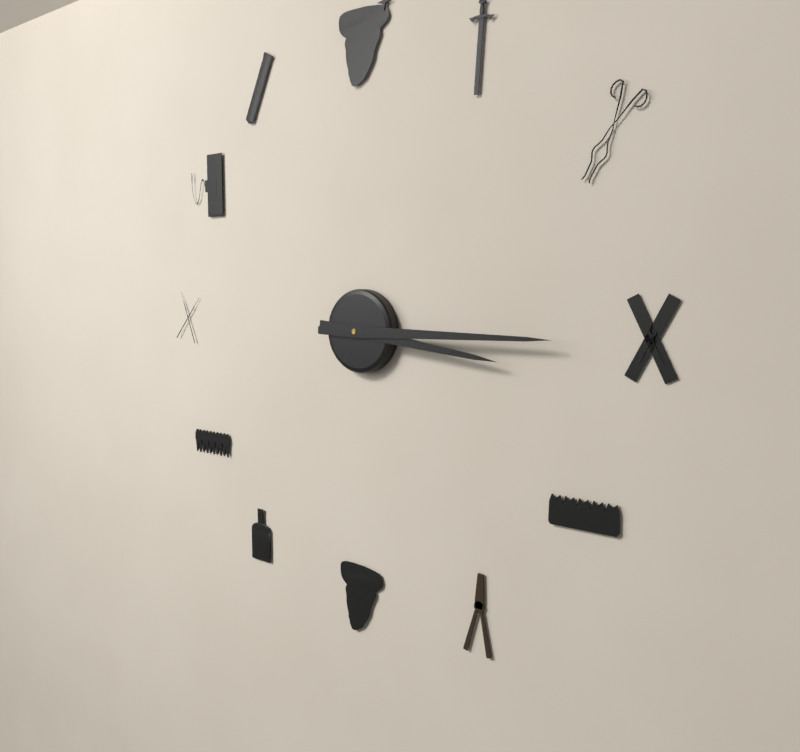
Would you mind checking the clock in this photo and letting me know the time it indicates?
3:15
